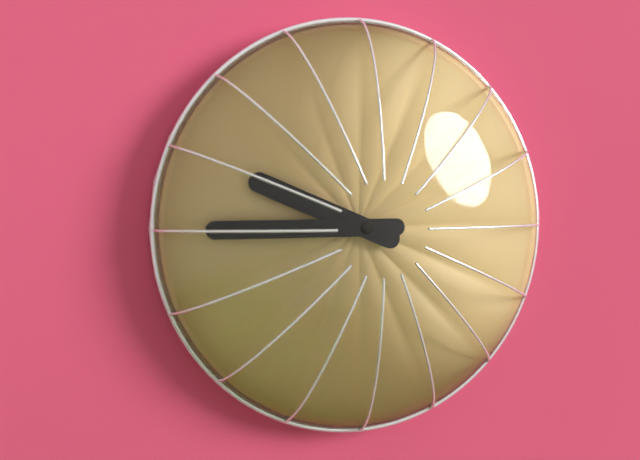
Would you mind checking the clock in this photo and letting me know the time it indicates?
9:45
